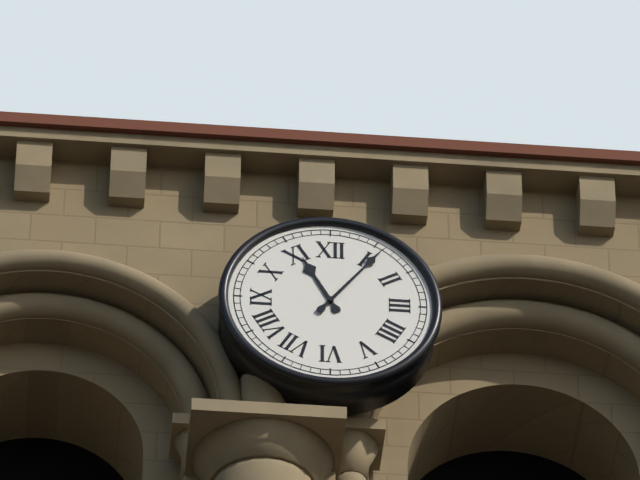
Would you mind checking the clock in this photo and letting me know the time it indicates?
11:06
